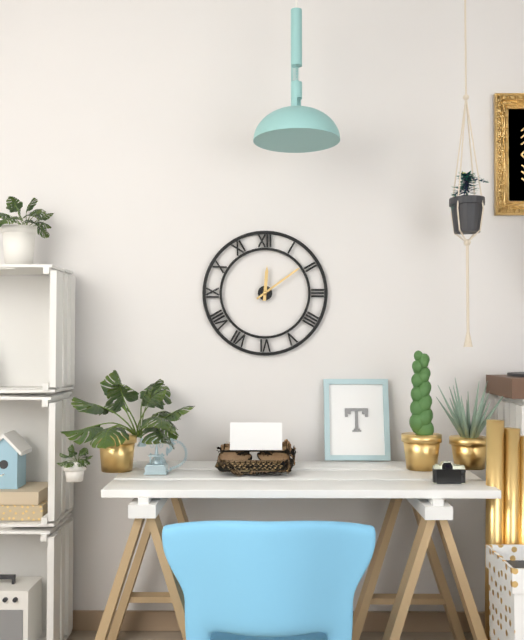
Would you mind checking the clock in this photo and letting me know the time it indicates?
12:09
